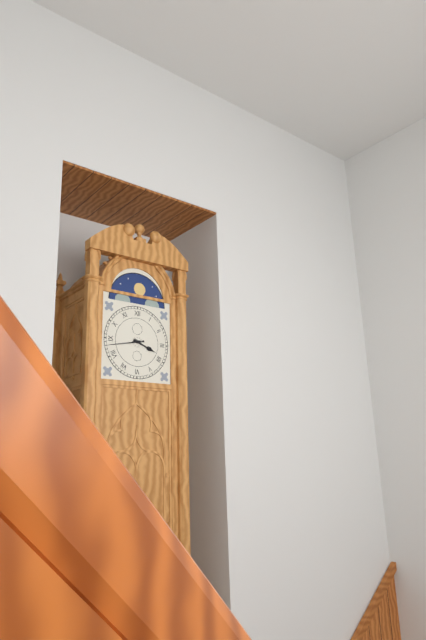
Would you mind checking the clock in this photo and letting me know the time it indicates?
3:43
